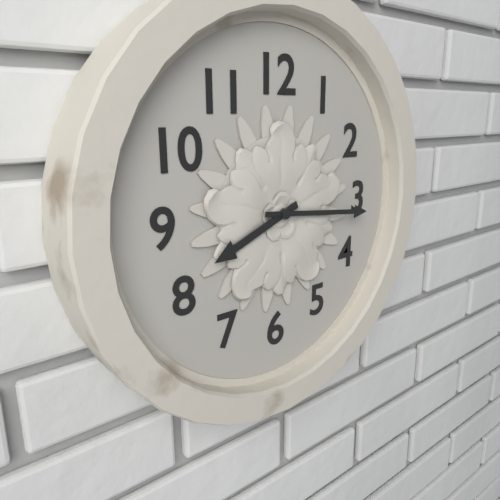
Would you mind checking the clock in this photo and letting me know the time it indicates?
8:16
